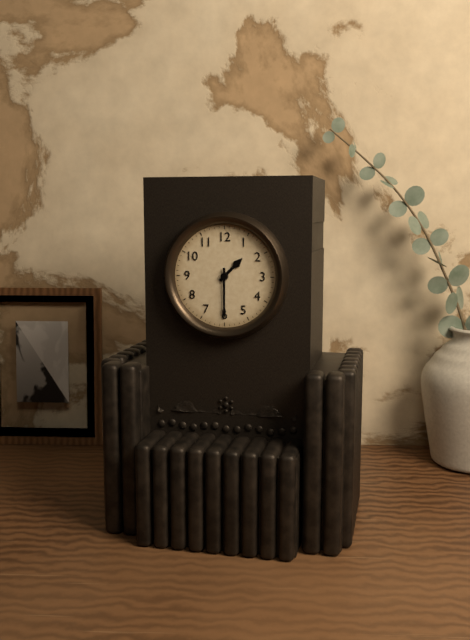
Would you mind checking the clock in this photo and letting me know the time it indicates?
1:30
